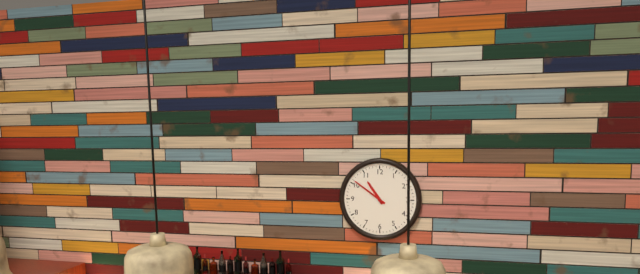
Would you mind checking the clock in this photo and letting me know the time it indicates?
10:51
